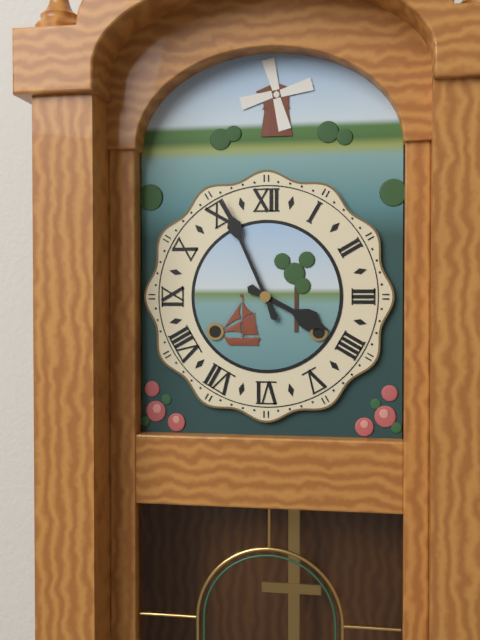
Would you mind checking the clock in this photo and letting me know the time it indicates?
3:56
